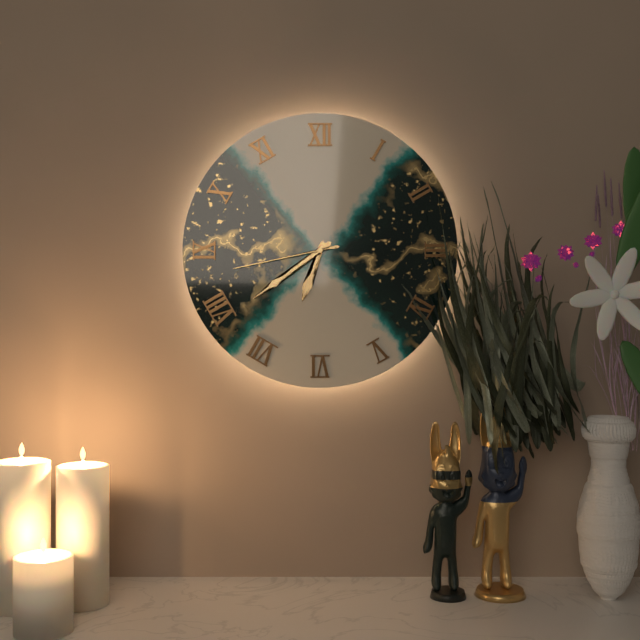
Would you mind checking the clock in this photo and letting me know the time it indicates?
6:39:43
